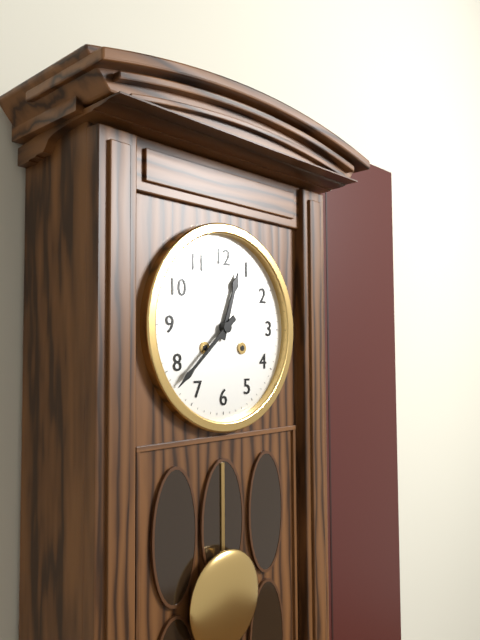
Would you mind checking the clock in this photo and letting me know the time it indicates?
12:38
